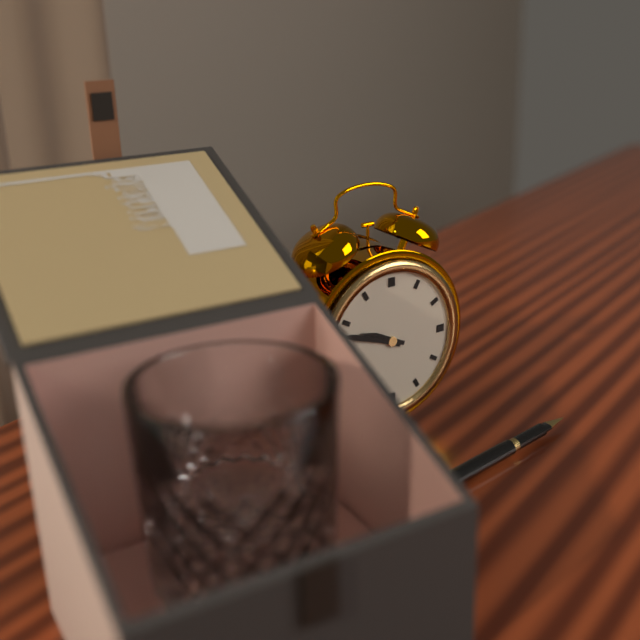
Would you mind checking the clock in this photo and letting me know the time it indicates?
9:48
